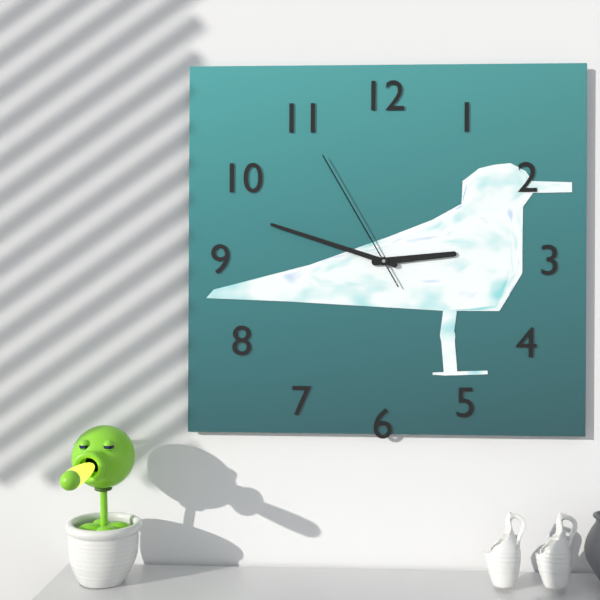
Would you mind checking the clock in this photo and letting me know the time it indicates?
2:48:55
